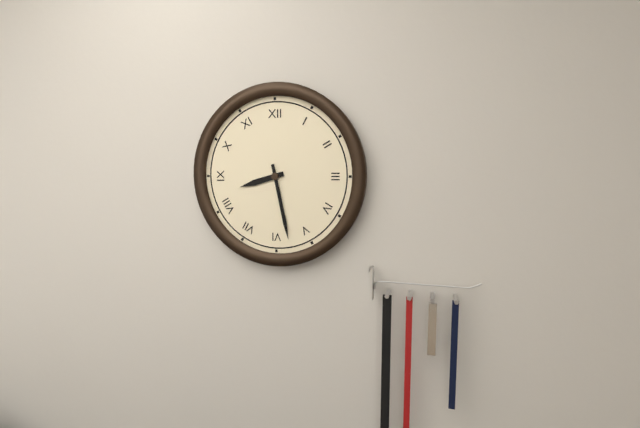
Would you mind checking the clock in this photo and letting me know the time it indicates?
8:28
